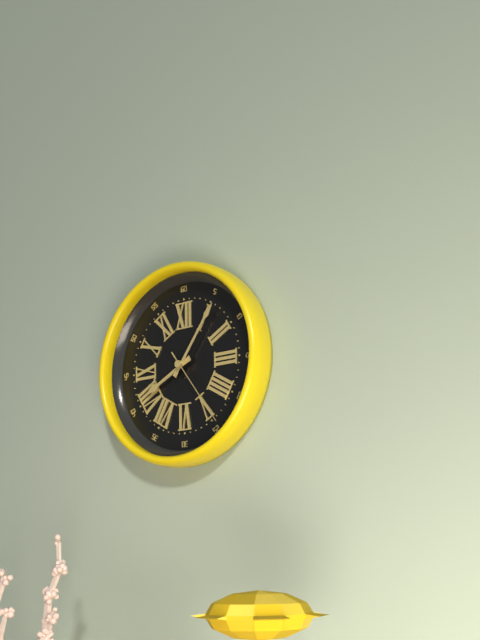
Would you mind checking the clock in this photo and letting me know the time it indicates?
8:06:24
